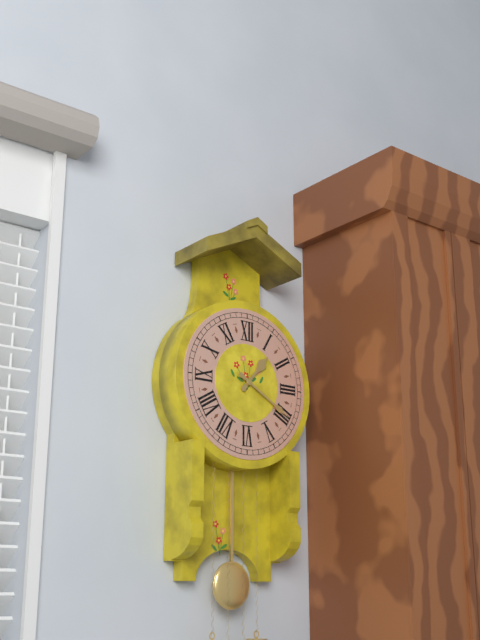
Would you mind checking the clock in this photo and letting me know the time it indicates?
1:20
